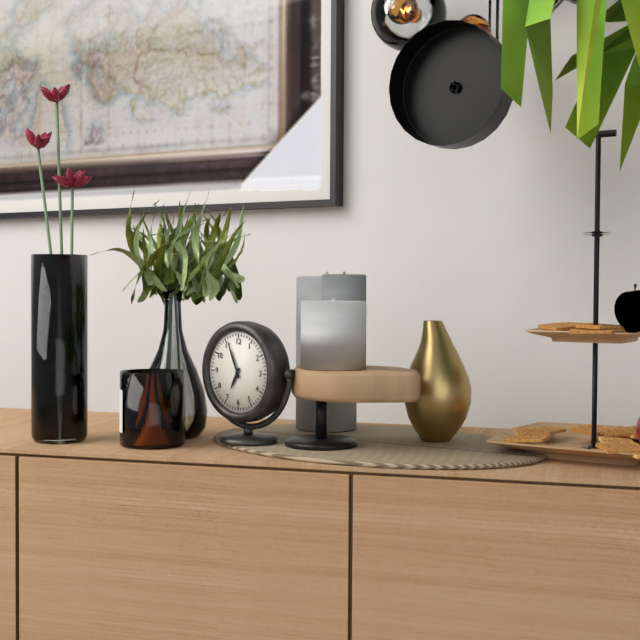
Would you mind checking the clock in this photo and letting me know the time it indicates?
6:56
